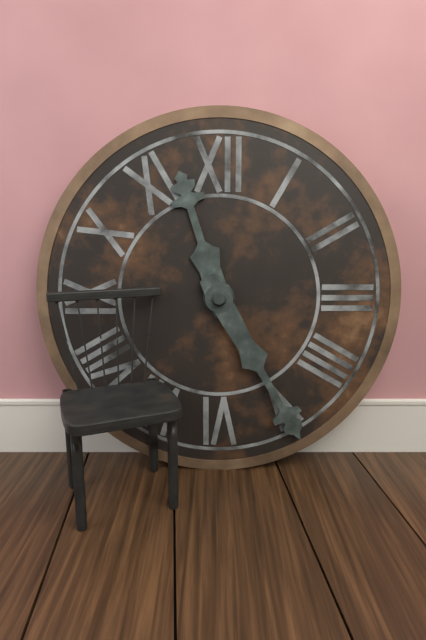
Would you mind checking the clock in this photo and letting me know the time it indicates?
11:25
